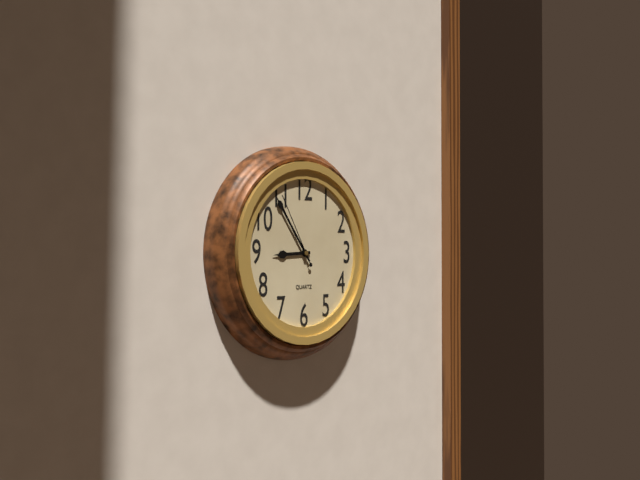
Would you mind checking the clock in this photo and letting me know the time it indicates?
8:54:55
